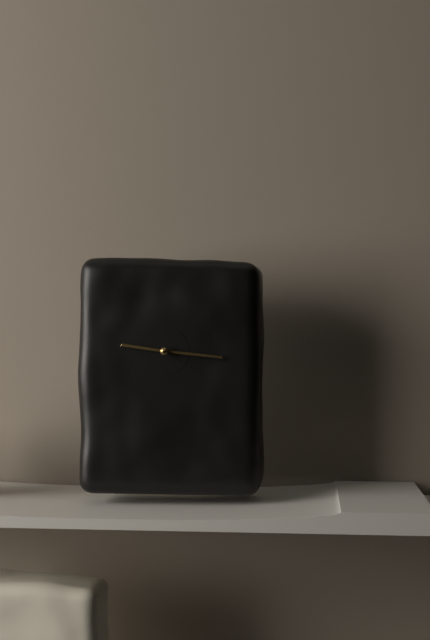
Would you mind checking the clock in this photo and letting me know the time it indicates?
9:16
